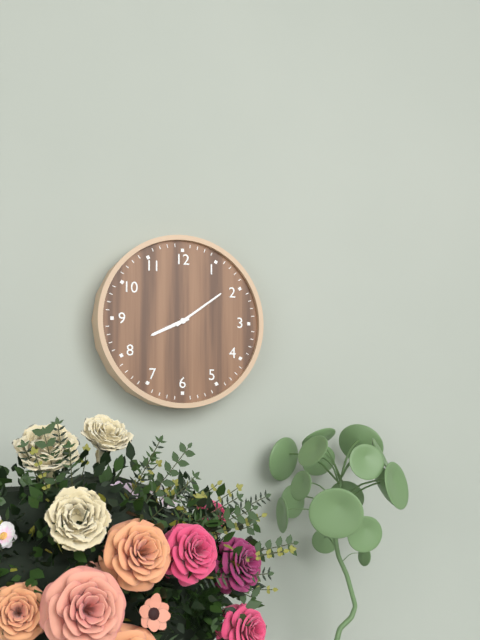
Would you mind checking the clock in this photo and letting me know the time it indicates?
8:09
